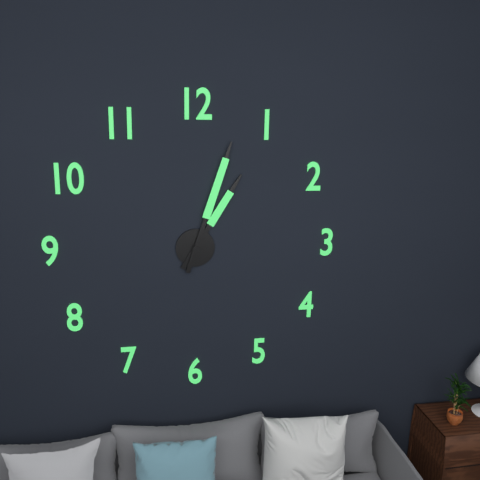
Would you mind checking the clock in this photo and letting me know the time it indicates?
1:03
